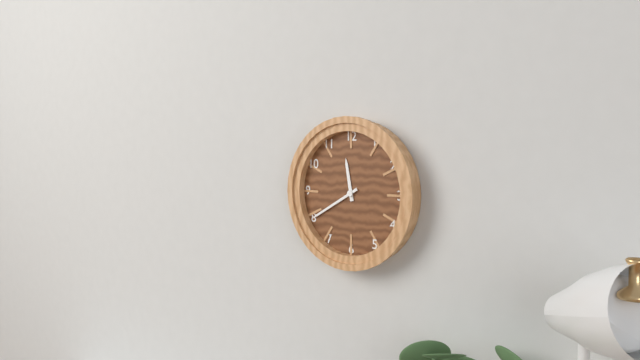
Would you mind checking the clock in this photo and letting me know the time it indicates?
11:40
